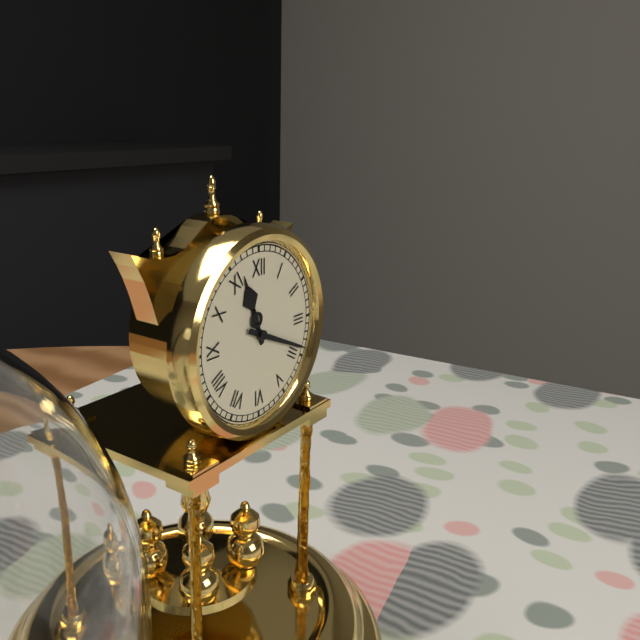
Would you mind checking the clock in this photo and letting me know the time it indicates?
11:19
